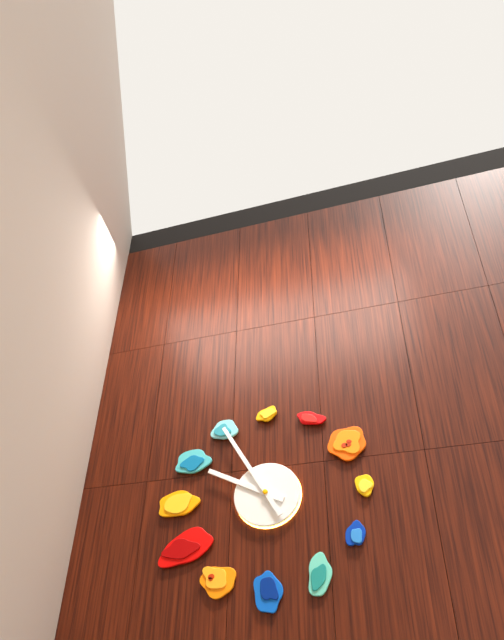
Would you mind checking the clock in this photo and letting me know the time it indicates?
9:55
